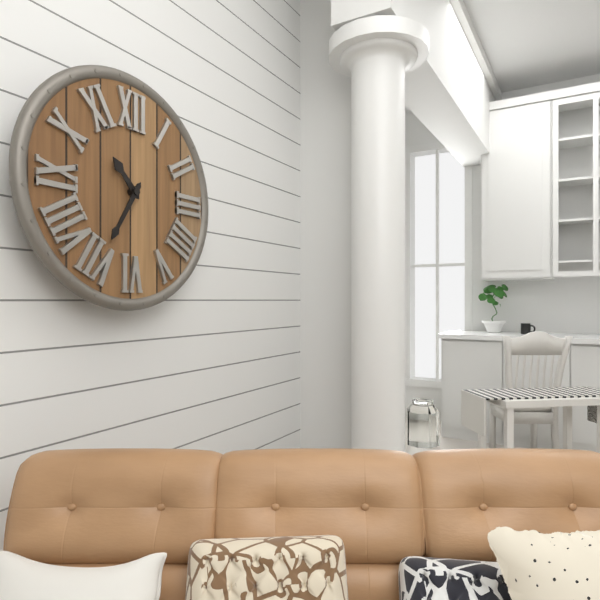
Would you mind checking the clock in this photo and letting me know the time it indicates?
10:35
